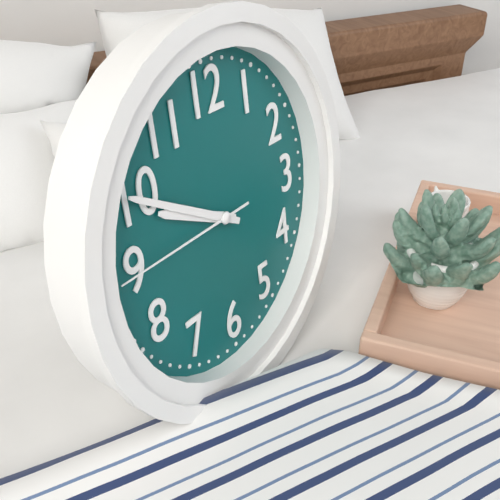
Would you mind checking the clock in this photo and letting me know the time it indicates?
9:50:45
